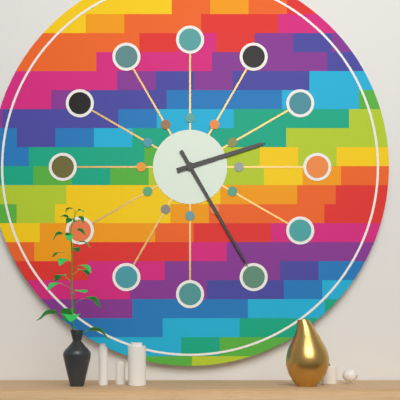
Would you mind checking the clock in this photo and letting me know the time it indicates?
2:25
